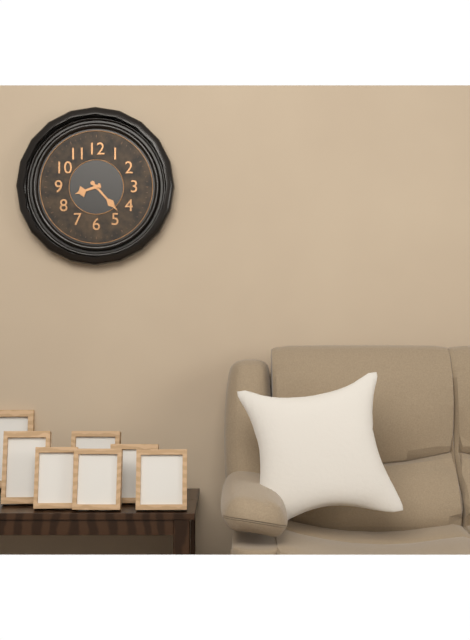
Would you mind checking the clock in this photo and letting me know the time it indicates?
8:23
